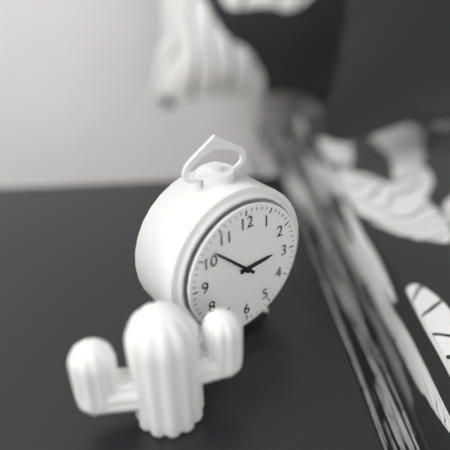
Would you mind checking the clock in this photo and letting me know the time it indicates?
2:52
